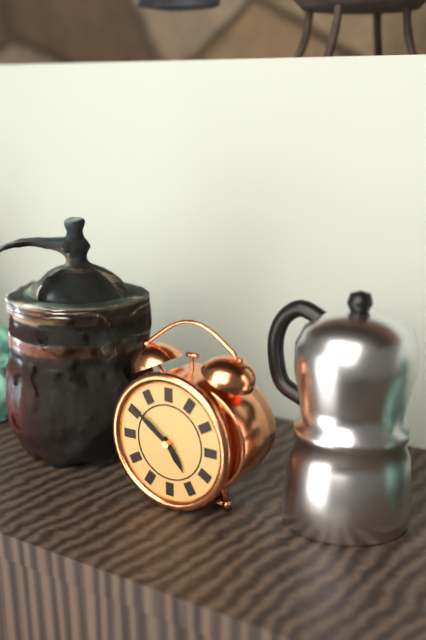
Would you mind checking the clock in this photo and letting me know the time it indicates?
4:51
